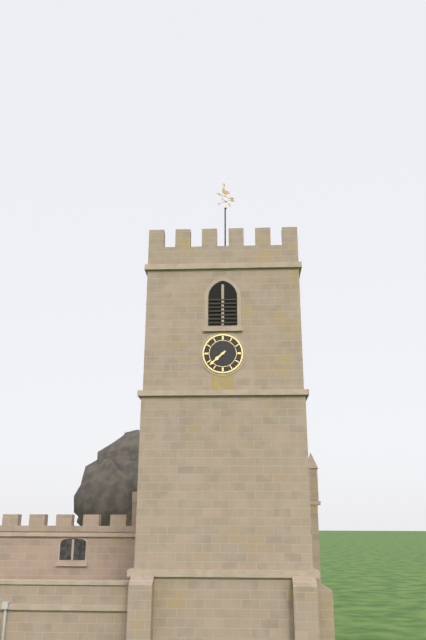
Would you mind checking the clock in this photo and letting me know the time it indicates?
7:38
